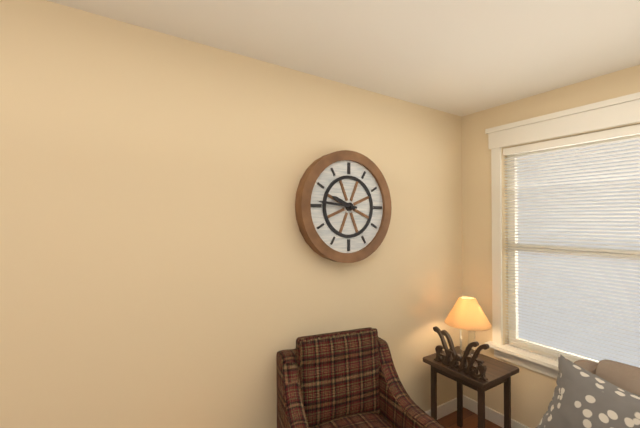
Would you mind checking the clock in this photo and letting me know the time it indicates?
9:46
